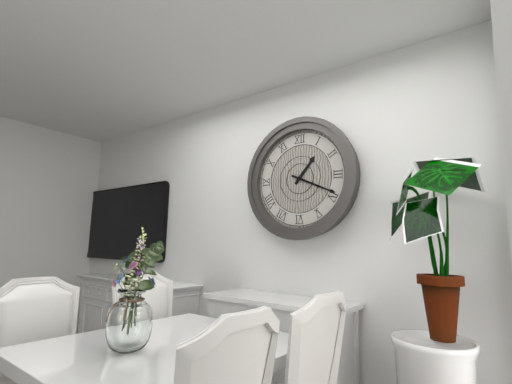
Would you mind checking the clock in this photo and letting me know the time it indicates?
1:19
